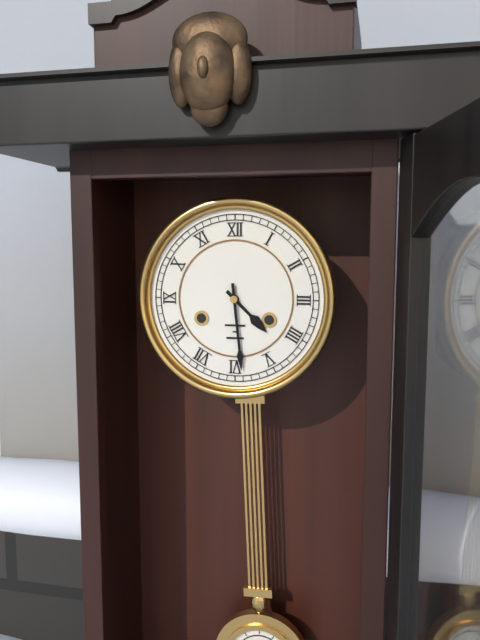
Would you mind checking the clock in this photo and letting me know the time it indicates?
4:29
